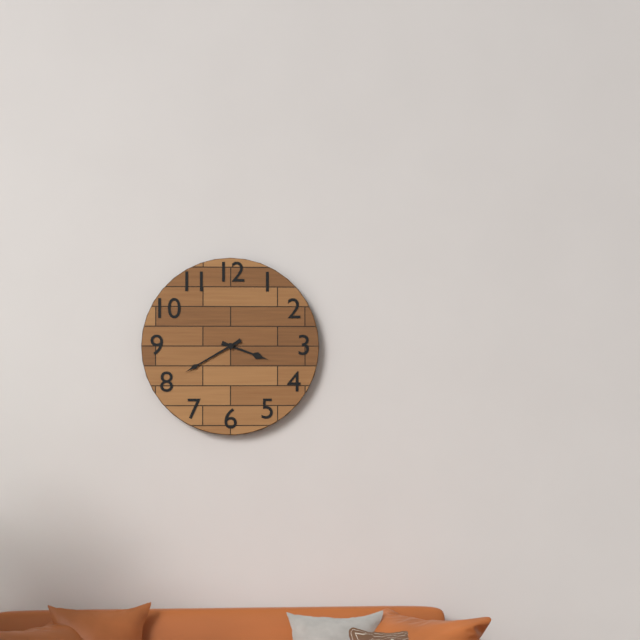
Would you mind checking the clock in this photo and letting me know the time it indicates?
3:40
